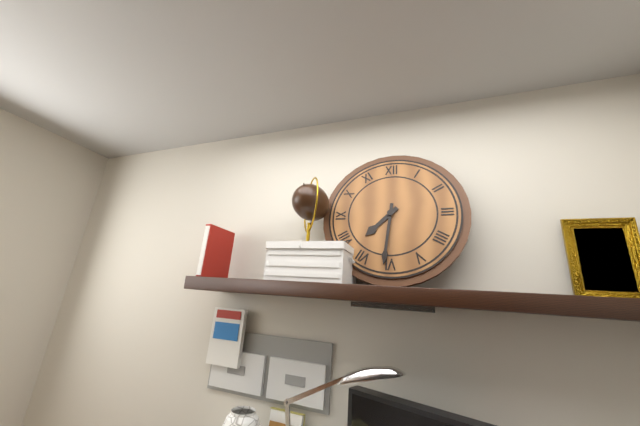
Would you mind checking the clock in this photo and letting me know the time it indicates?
7:31
